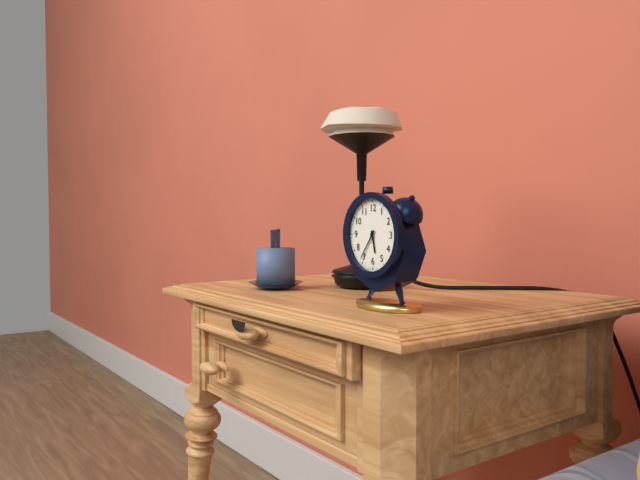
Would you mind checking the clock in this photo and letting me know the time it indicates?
5:36
